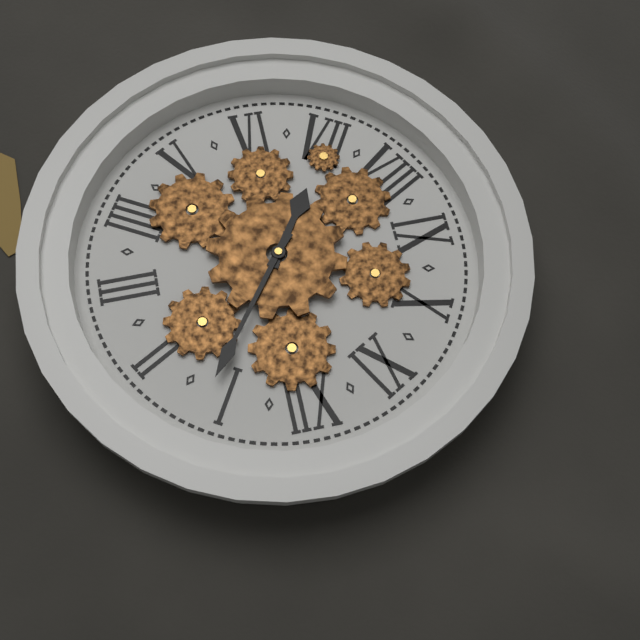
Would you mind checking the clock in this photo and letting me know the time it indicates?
7:06
